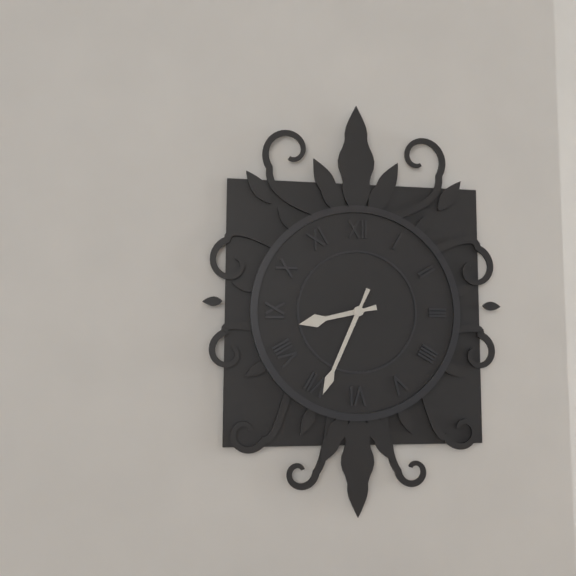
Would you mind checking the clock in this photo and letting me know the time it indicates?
8:34
